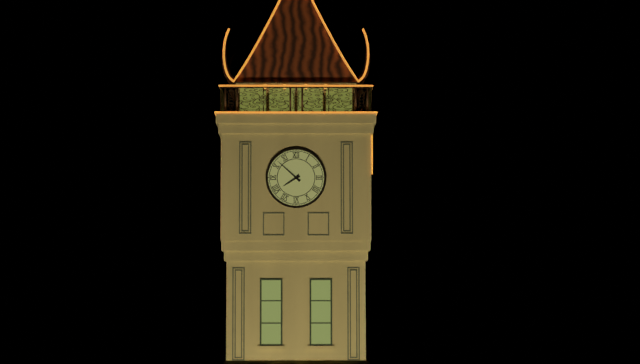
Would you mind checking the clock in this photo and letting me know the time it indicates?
7:52
